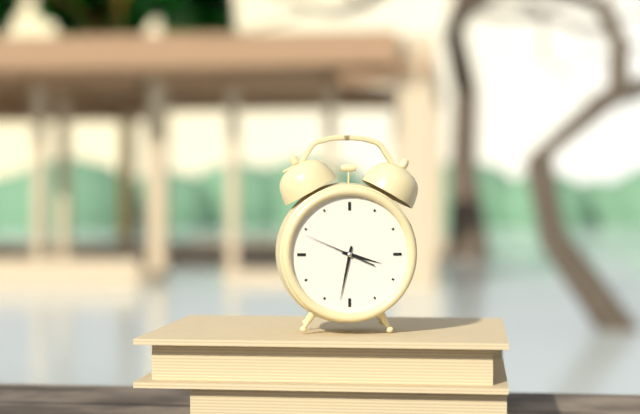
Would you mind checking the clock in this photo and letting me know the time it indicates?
3:32:49
